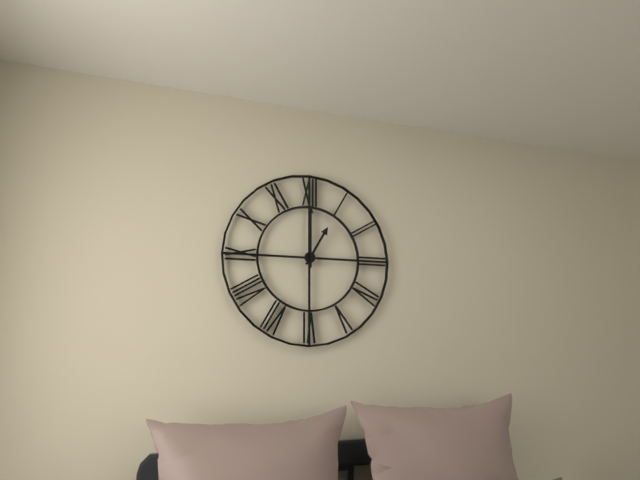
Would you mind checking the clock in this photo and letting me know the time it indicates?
1:00
